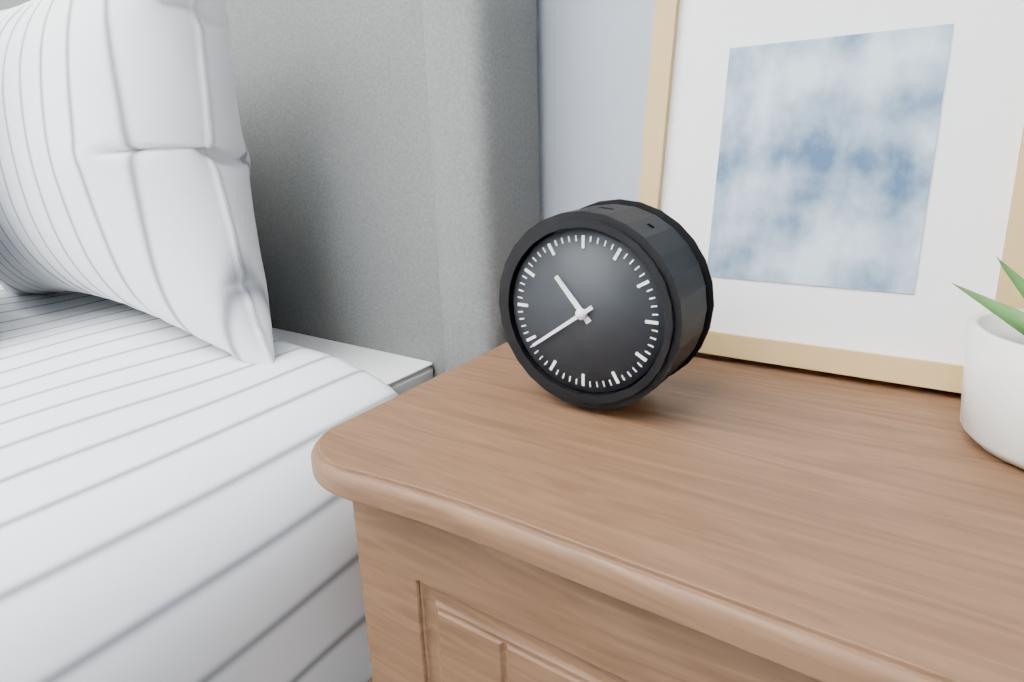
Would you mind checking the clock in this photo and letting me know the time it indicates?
10:39
